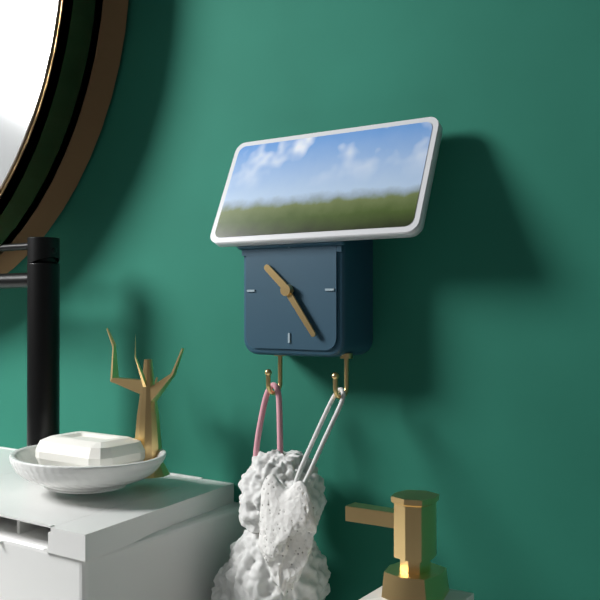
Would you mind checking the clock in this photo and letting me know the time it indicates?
10:24
